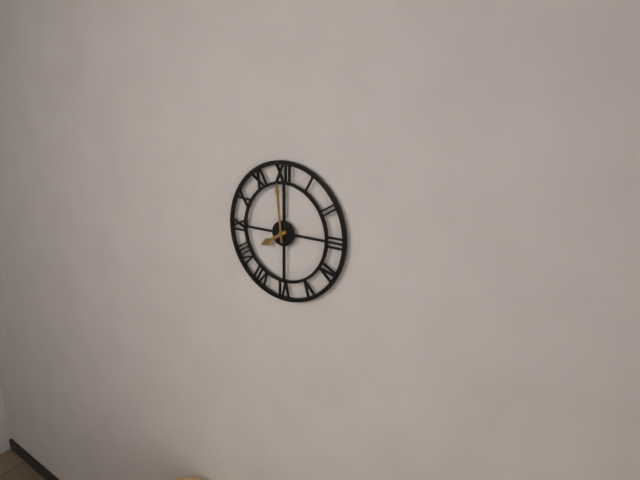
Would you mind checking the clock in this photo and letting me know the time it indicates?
7:59
